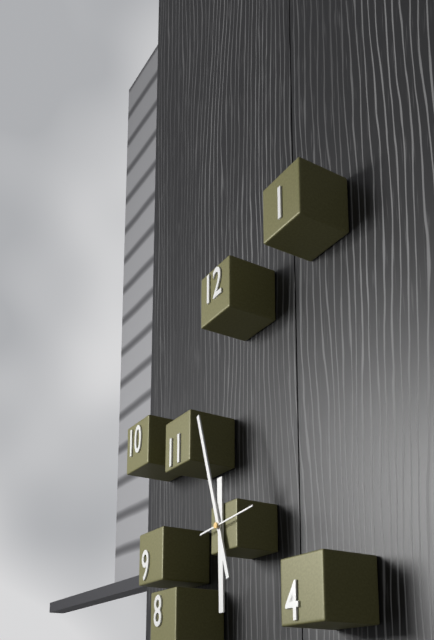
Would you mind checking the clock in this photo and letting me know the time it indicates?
5:57
